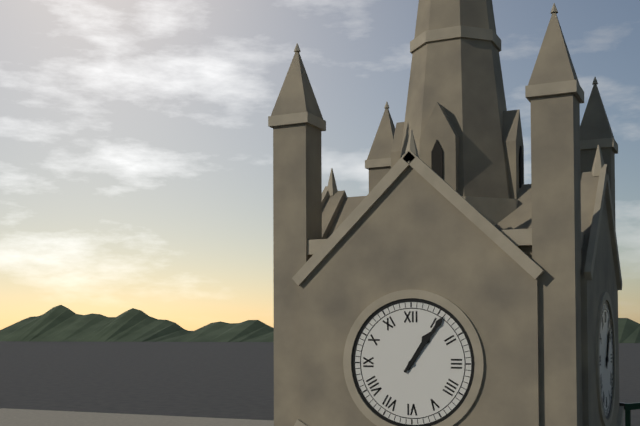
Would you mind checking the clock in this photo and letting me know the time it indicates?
1:06
